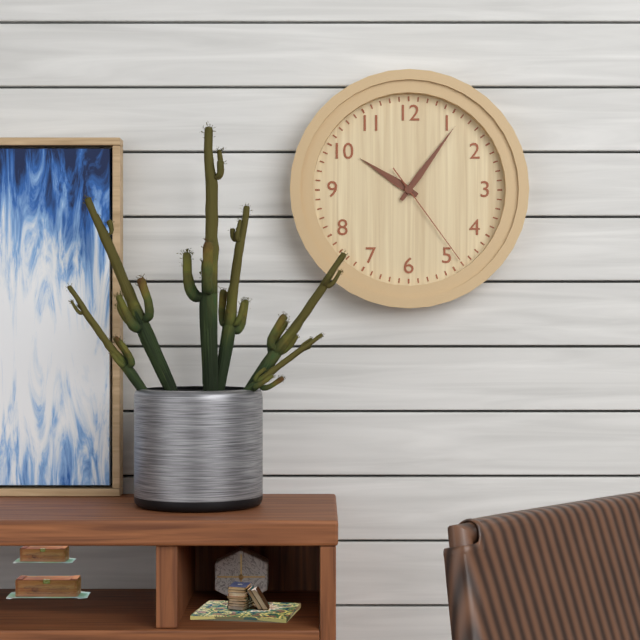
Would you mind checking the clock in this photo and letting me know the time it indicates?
10:06:24
